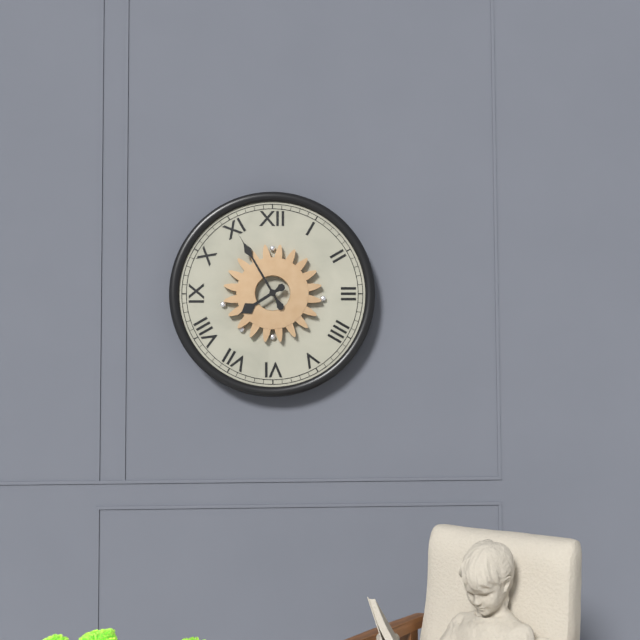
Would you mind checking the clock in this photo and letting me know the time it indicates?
7:55
